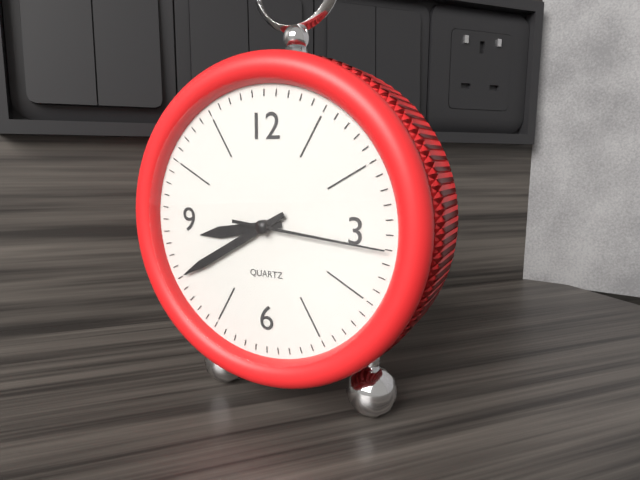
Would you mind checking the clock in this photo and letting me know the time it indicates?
8:40:16
